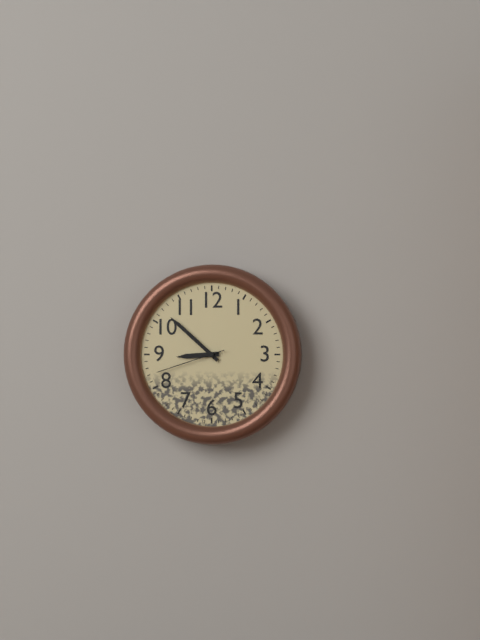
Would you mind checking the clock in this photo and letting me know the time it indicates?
8:52:42
